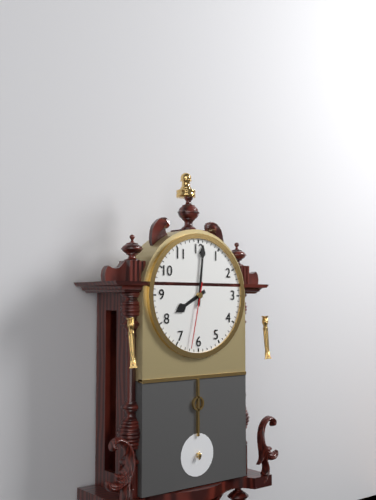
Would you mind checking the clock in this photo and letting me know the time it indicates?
8:01:32
